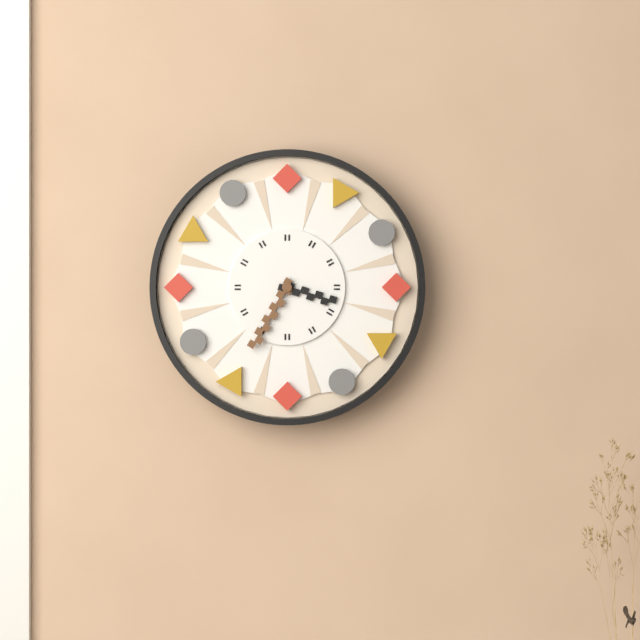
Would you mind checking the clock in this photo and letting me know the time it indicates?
3:35
